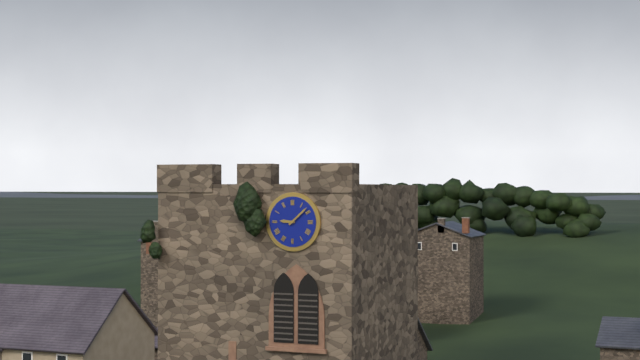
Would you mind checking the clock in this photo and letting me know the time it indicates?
9:08
